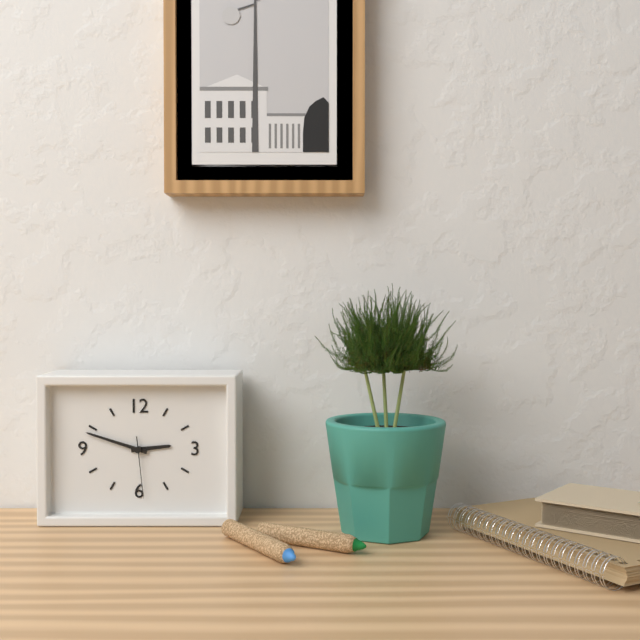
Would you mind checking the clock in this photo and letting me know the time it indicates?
2:48:29
